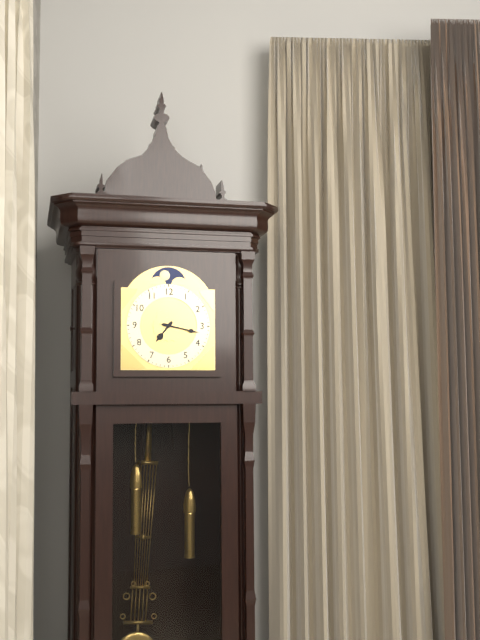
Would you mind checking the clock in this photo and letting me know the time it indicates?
7:17
